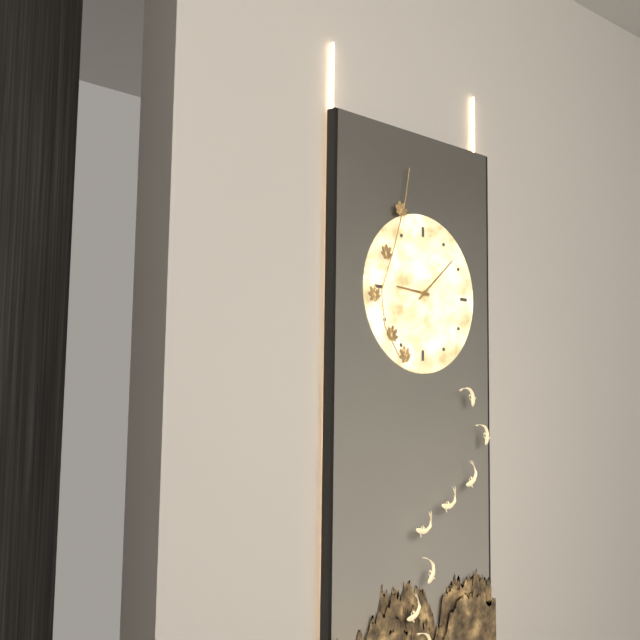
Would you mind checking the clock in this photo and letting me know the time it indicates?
9:08
